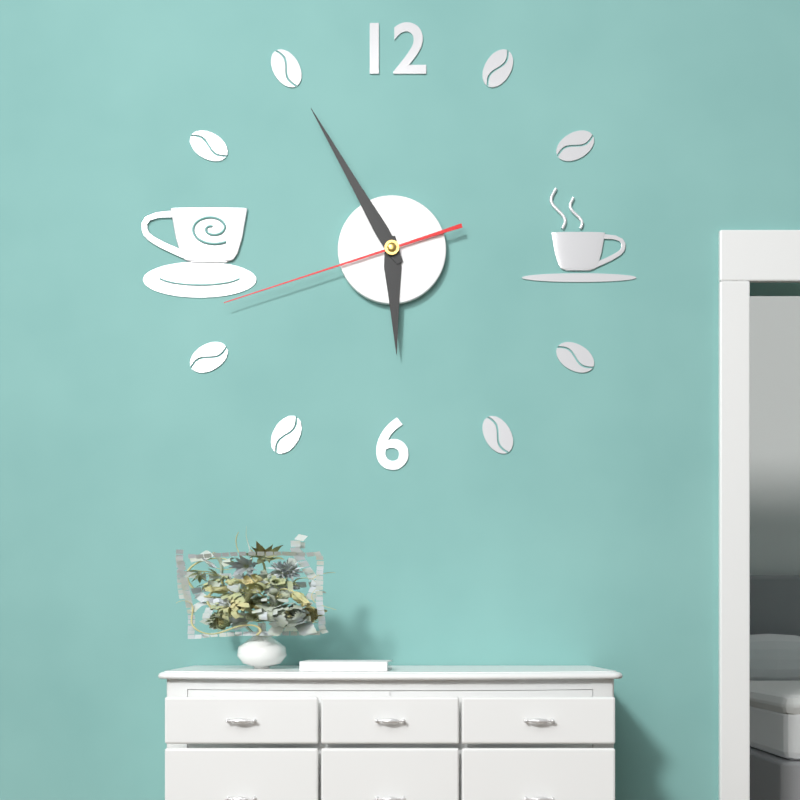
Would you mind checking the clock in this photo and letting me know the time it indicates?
5:55:42
